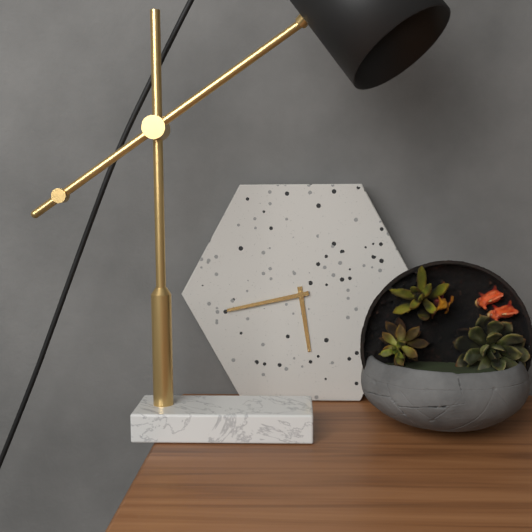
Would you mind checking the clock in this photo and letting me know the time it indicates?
5:43
